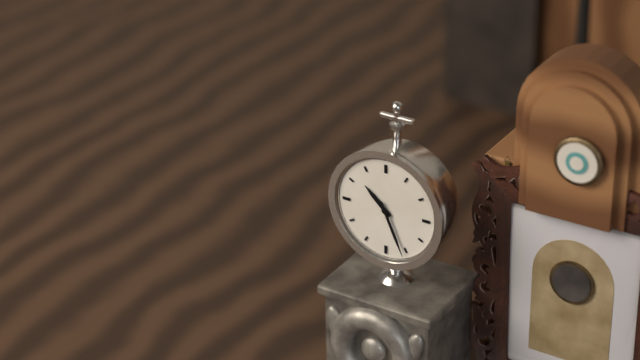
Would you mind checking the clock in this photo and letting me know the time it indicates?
10:26
